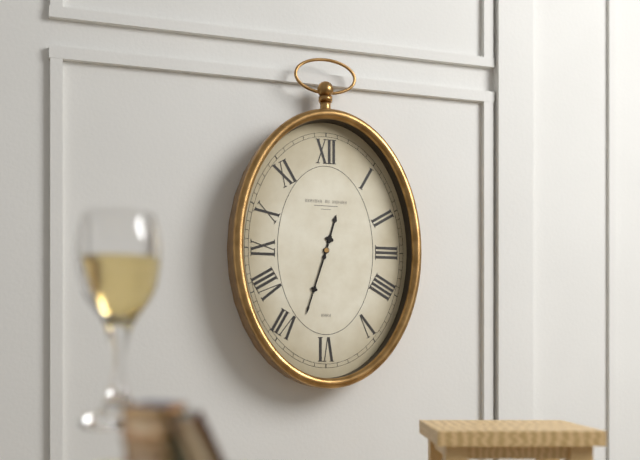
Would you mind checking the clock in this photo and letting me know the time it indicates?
12:33
